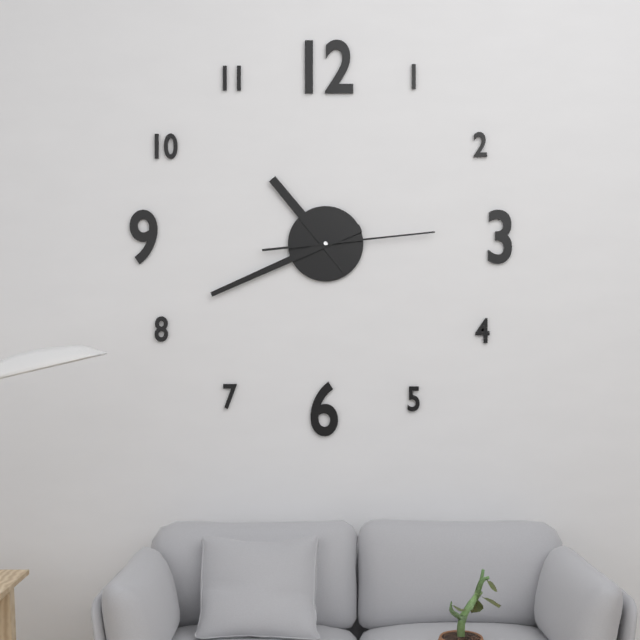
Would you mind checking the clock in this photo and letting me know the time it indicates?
10:41:14
